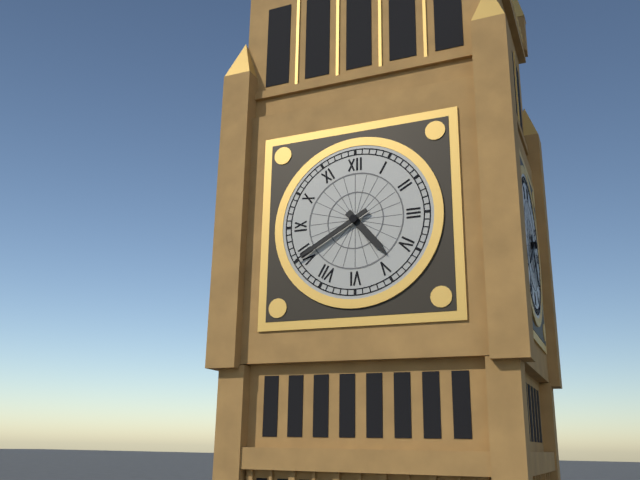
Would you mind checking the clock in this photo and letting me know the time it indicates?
4:40
